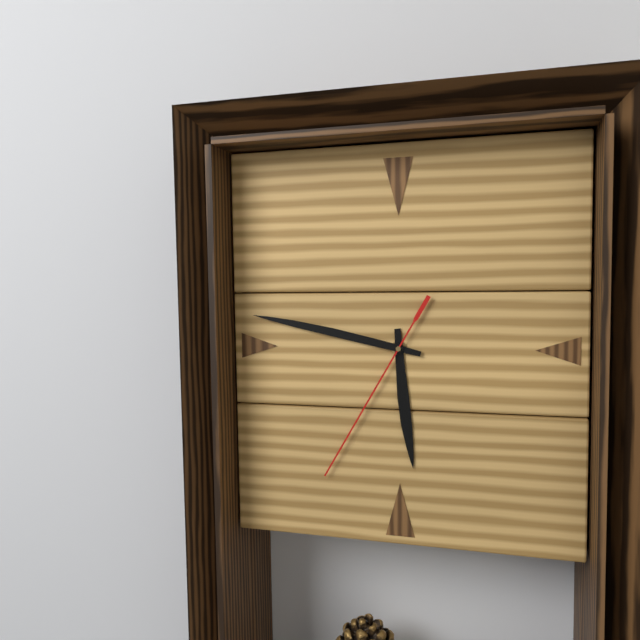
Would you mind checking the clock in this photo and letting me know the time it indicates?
5:47:35
